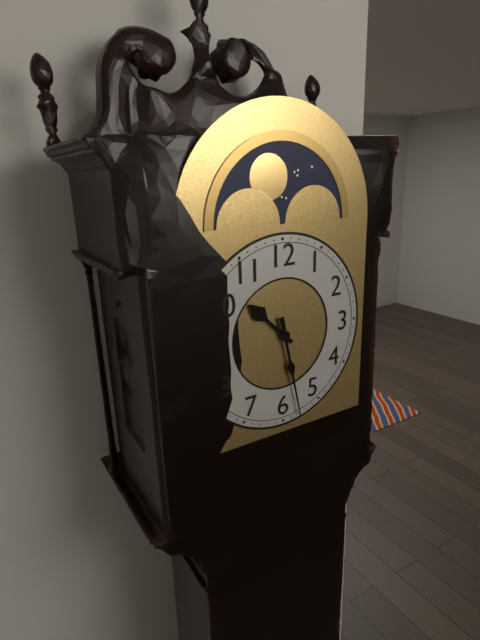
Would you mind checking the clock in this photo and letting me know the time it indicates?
10:28
